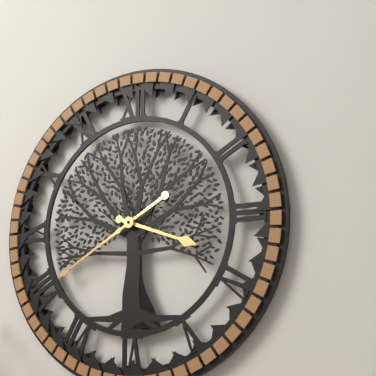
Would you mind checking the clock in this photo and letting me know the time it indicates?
3:40
